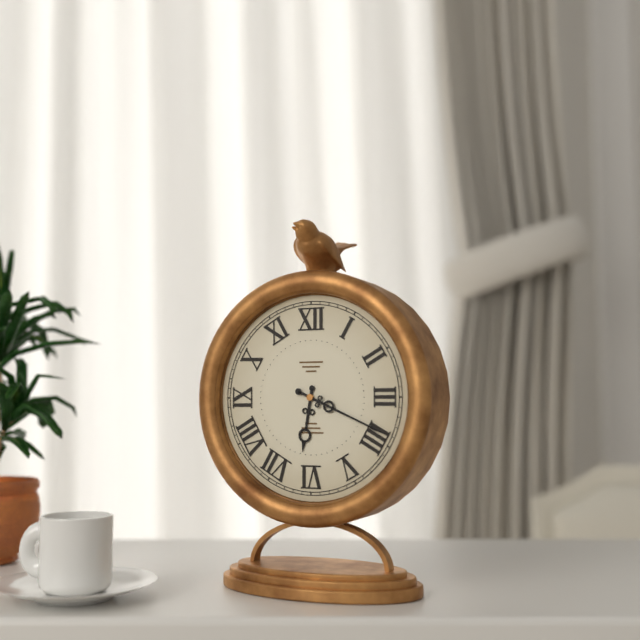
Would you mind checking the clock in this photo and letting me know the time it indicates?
6:19
